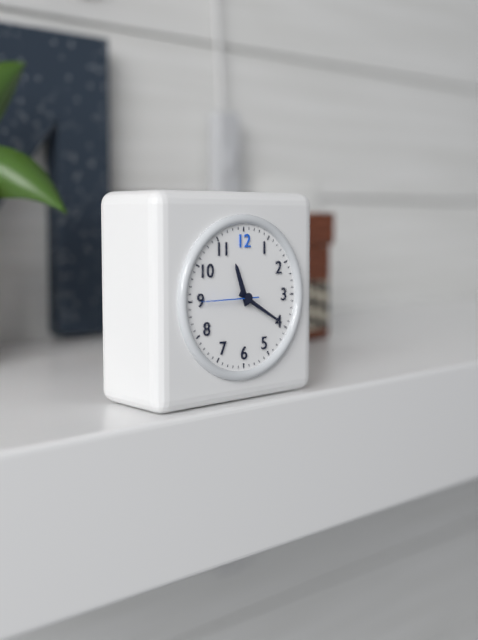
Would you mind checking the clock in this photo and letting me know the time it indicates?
11:20:45
